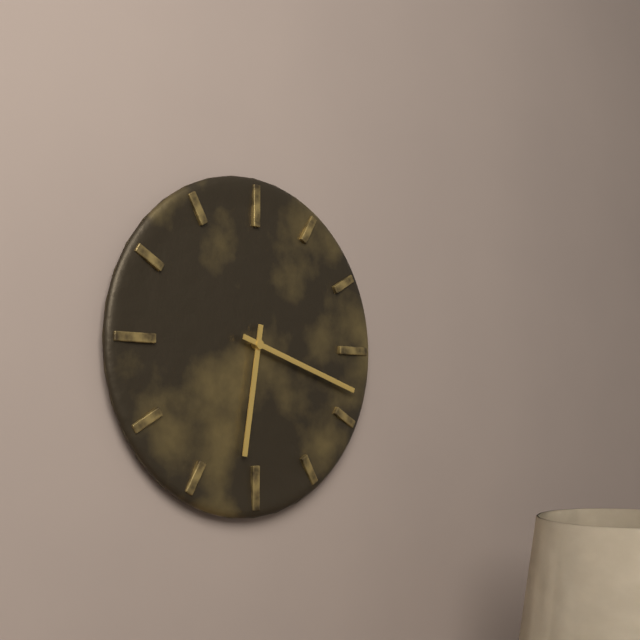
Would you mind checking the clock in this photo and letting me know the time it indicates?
6:18
